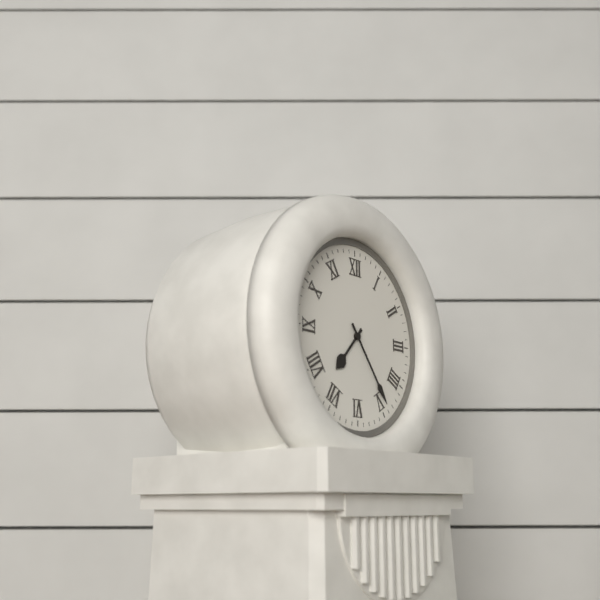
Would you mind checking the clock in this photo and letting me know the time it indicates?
7:24
